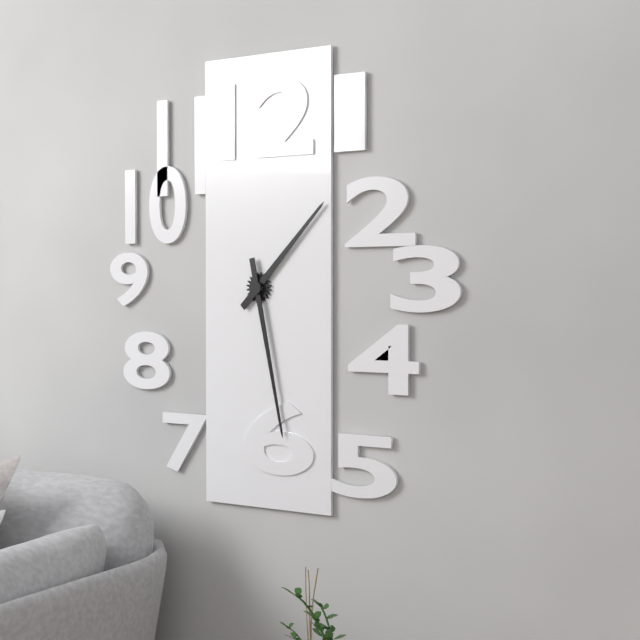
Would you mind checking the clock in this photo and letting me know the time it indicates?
1:28
